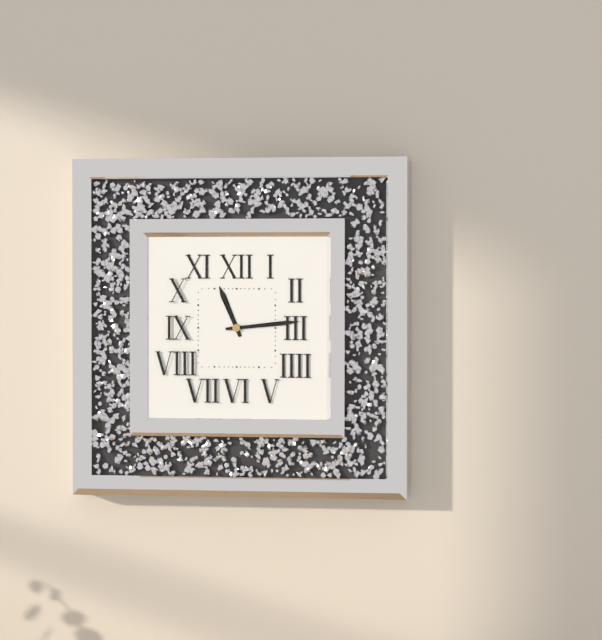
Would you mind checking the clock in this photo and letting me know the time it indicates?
11:14
